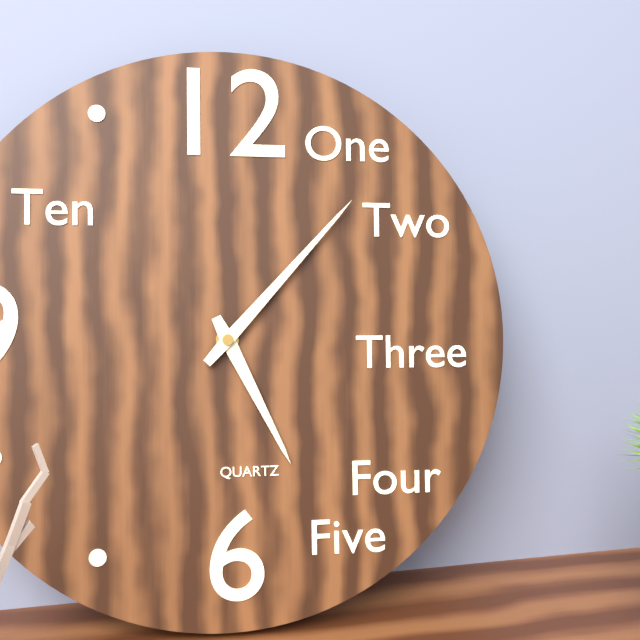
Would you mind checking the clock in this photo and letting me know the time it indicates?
5:07
